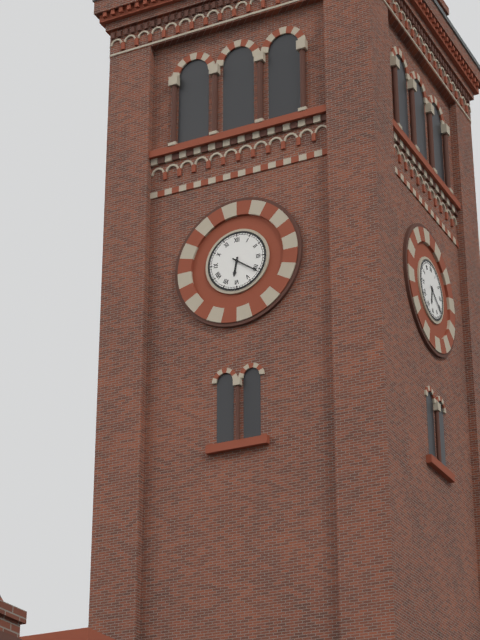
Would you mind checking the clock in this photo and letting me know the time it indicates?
6:21
